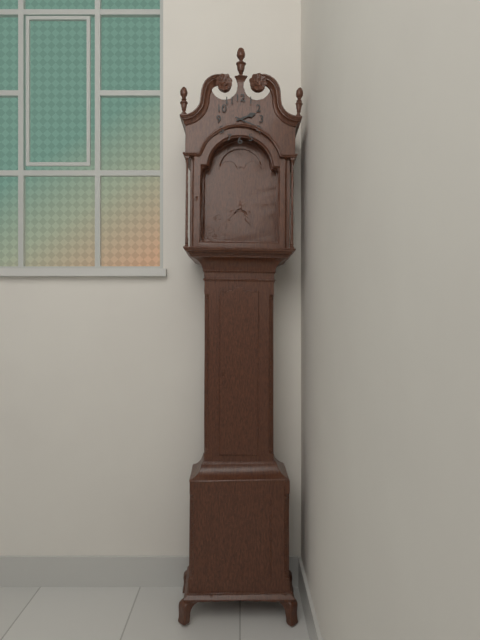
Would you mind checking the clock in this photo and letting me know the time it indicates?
2:19
